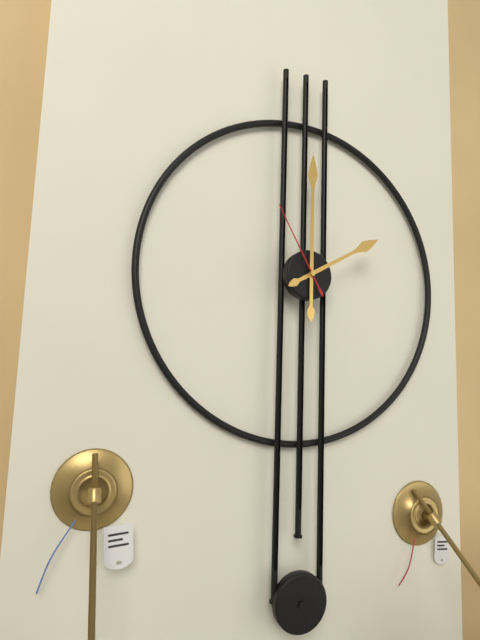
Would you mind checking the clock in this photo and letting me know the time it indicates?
2:00:55
